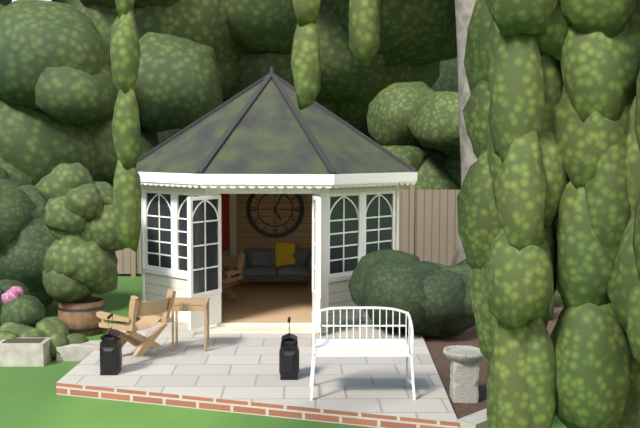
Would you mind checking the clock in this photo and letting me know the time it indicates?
5:04
